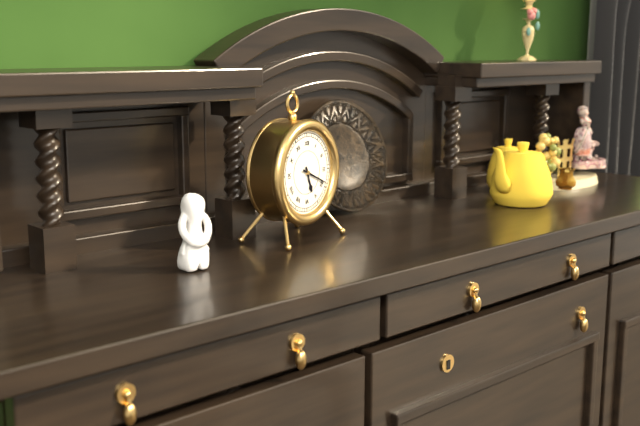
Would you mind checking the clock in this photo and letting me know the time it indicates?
5:19
